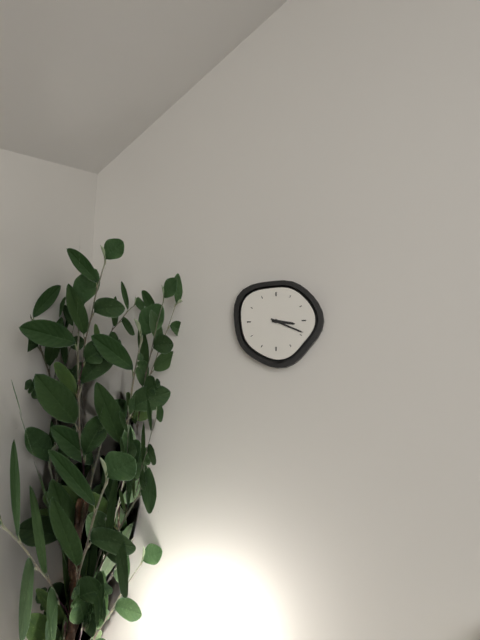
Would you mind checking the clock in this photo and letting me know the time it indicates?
3:19
